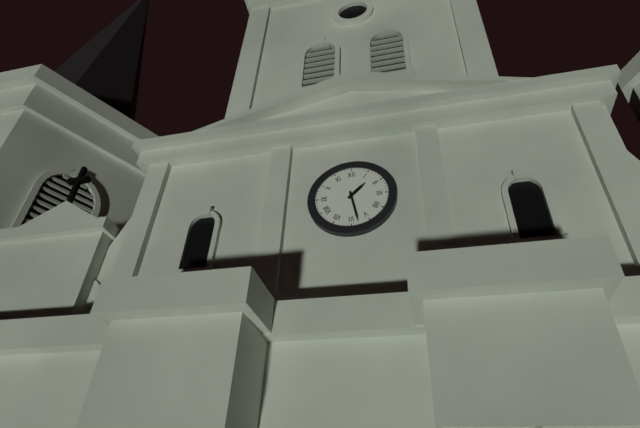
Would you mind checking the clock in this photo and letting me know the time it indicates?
1:28
